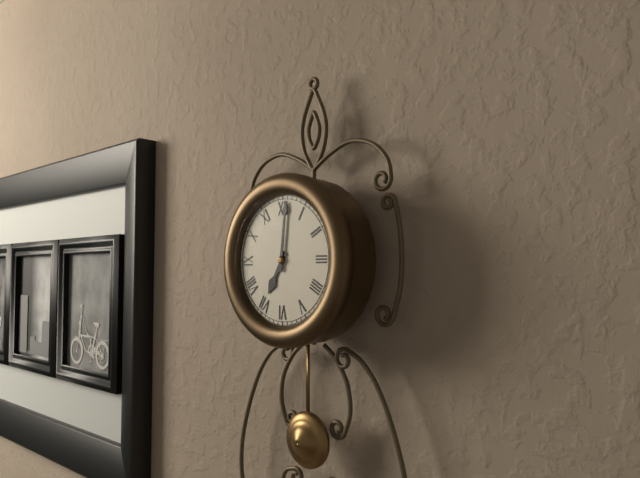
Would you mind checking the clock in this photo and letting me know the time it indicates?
7:01
